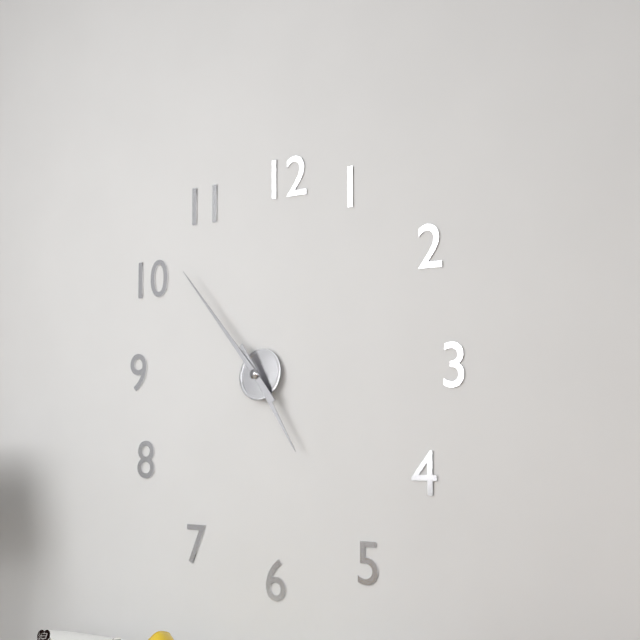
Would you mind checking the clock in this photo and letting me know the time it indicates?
4:53
